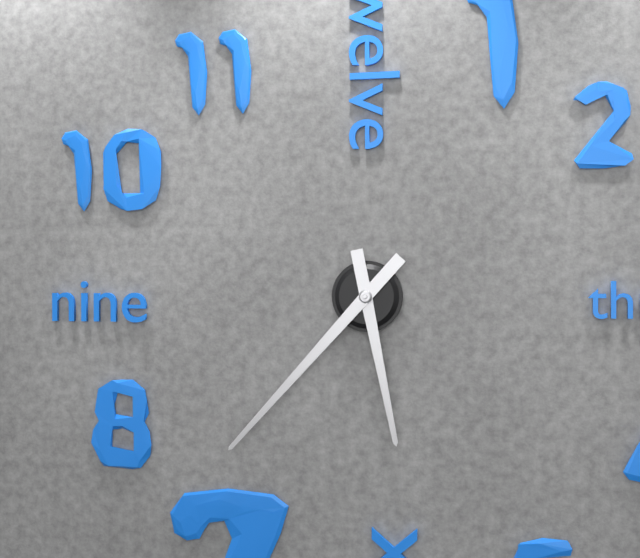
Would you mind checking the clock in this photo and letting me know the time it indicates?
5:37
